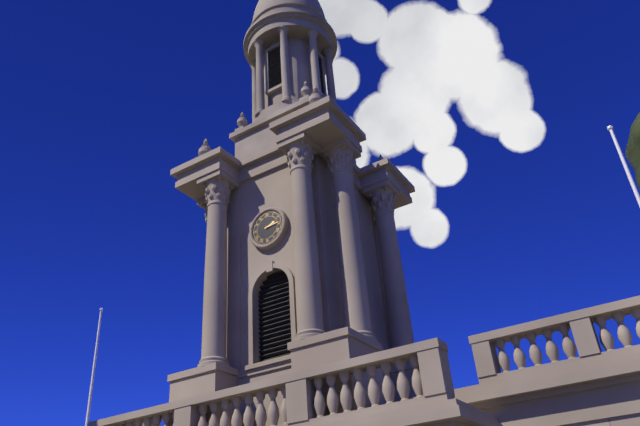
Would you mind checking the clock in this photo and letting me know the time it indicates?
2:14
